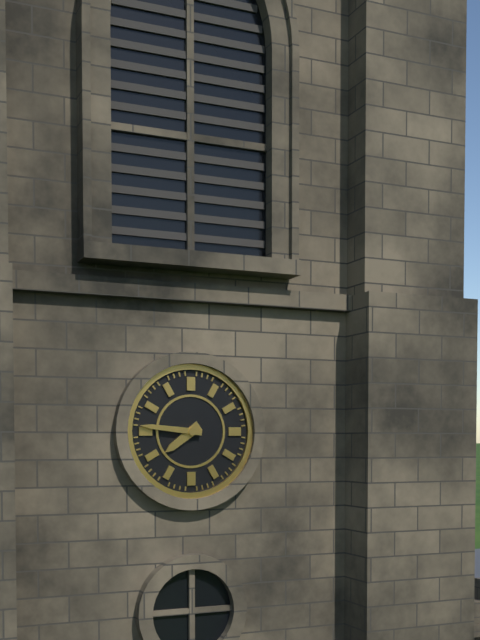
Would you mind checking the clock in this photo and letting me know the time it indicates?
7:46
